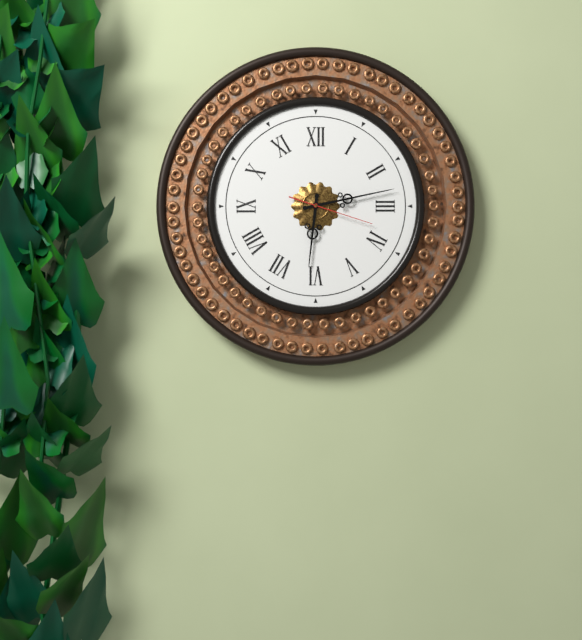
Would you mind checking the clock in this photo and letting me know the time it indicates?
6:13:18
